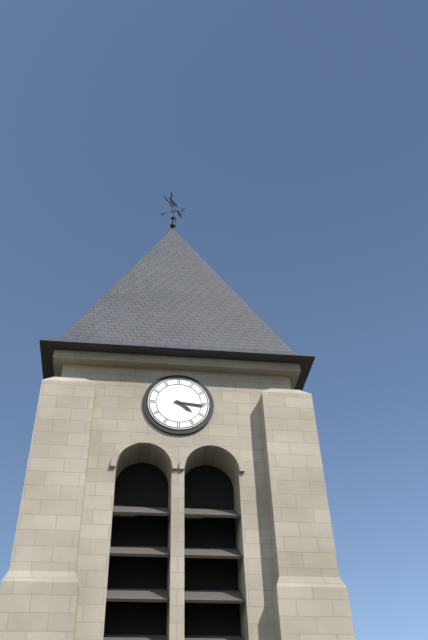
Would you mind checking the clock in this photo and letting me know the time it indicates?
4:16
